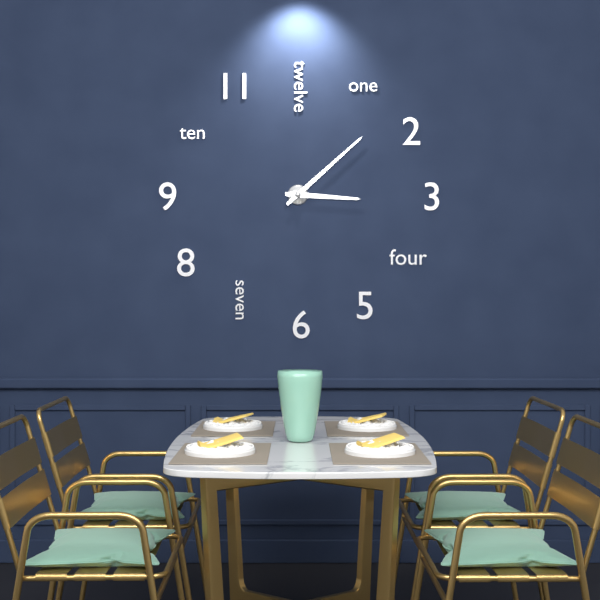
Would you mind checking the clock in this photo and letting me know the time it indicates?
3:08
